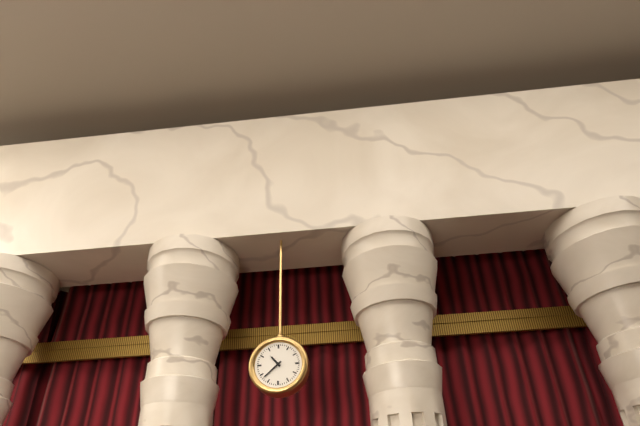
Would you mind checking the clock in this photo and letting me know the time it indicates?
10:38
